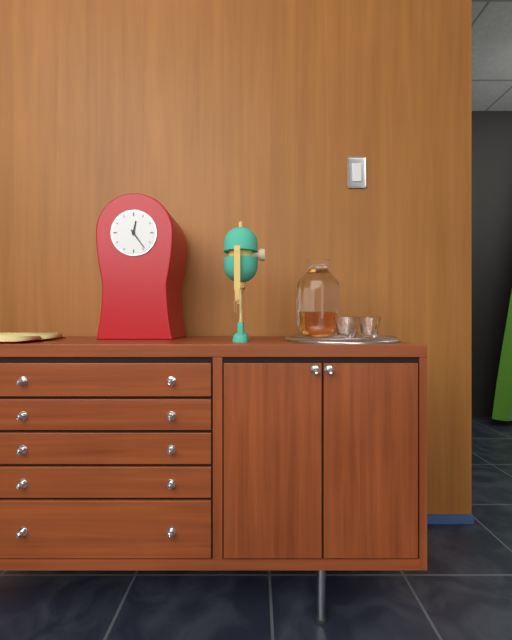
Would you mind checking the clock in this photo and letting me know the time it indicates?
12:24
